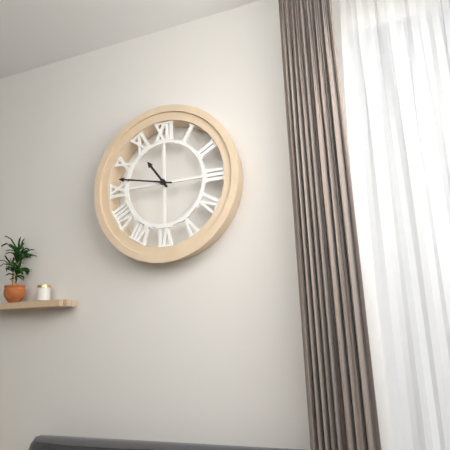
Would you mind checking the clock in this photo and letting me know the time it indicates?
10:47
